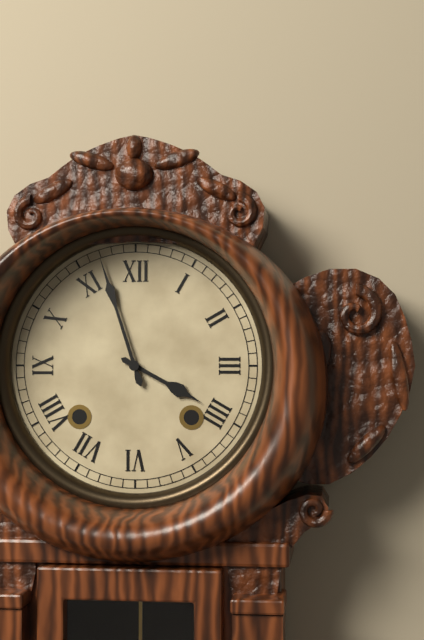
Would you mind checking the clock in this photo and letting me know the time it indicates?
3:57
